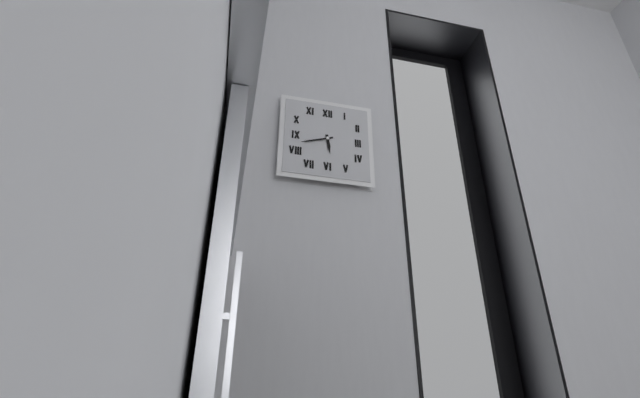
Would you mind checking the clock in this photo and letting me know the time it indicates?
5:42
